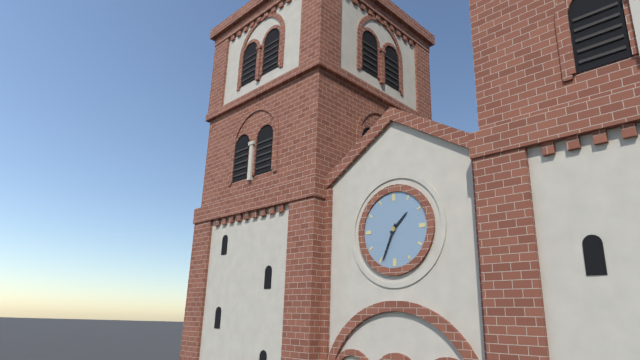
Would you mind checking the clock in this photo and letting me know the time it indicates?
1:34
